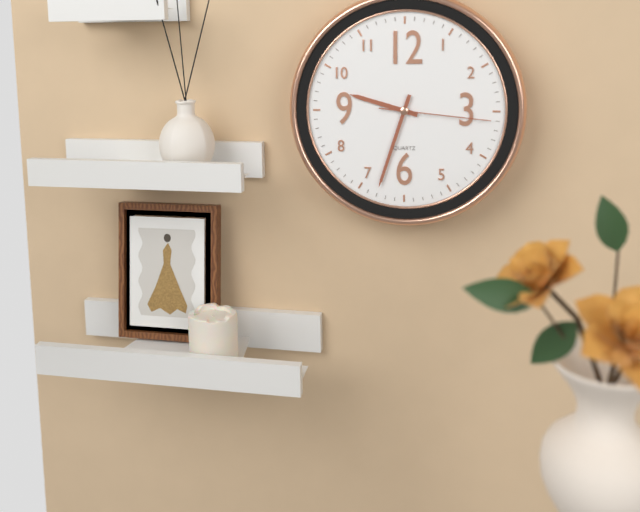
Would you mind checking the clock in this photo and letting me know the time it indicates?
9:33:16
